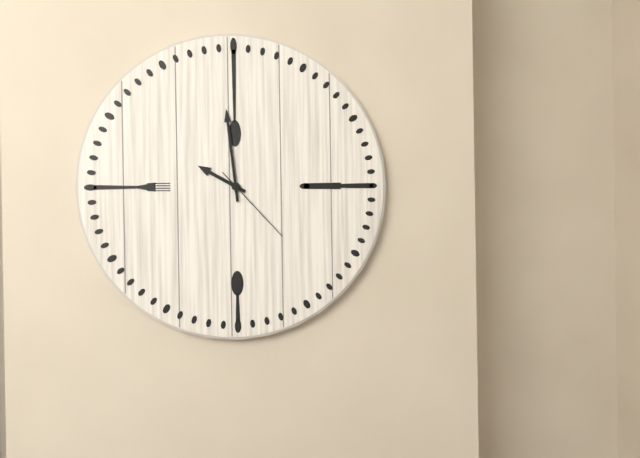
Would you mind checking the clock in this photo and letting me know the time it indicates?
9:59:23
